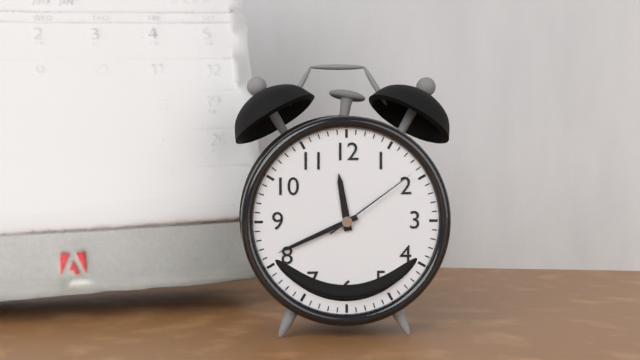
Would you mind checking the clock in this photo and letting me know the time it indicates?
11:41:09
